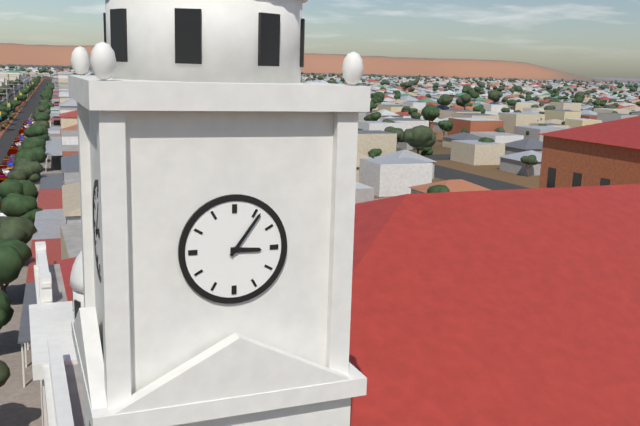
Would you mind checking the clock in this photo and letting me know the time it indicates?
3:06
